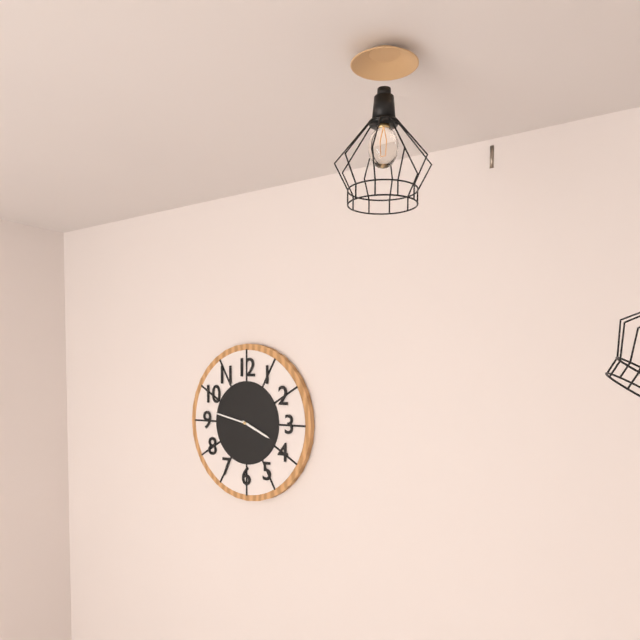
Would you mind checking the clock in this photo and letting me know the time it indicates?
3:47
